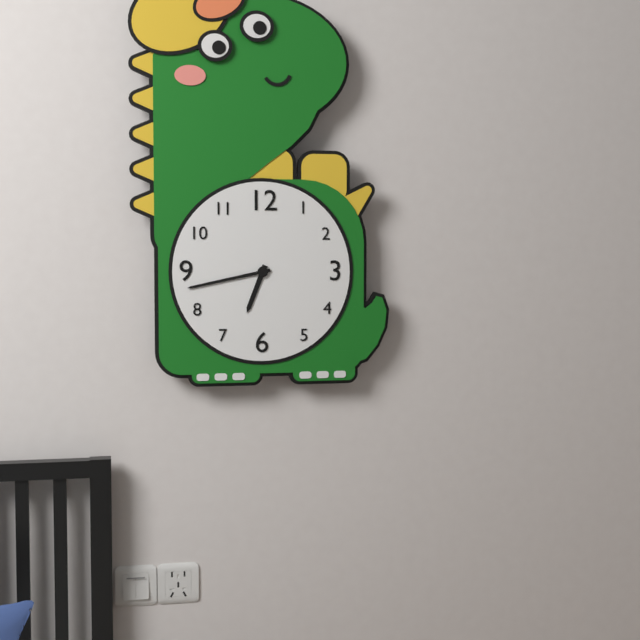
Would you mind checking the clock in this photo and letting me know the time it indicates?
6:43
